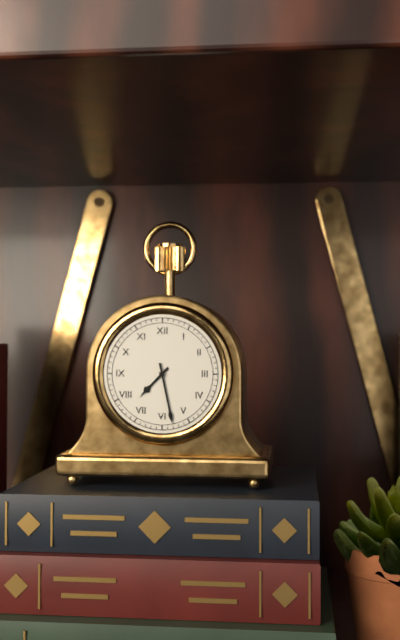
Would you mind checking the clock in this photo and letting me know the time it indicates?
7:28
